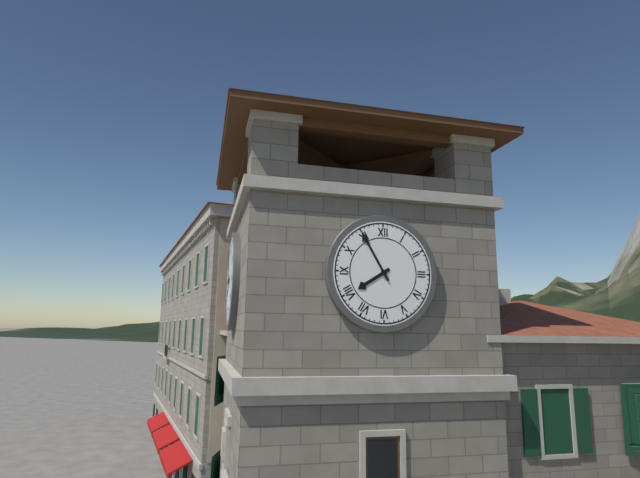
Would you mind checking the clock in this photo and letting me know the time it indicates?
7:55
